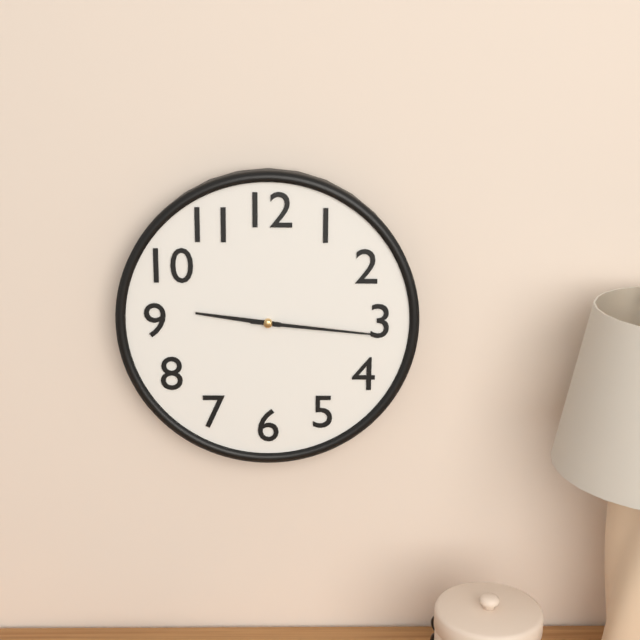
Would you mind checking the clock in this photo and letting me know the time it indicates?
9:16
